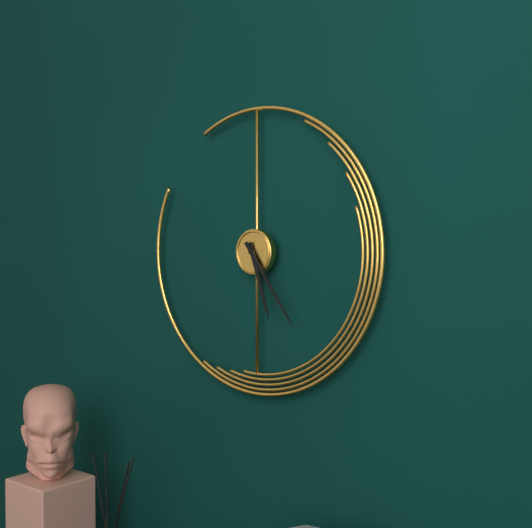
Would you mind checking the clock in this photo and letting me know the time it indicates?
5:24
